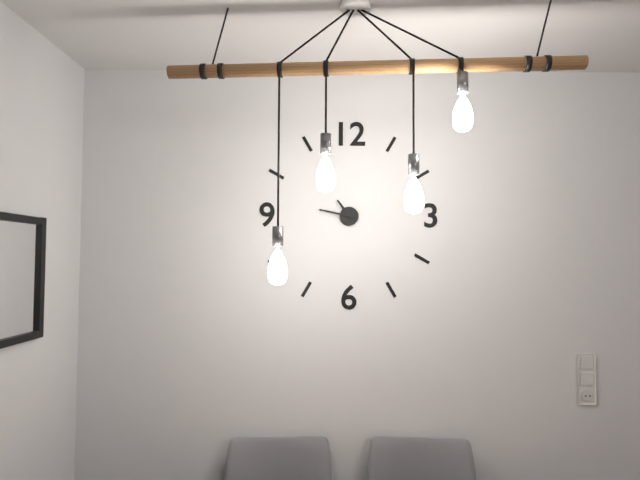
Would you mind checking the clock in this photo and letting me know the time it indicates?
10:47
